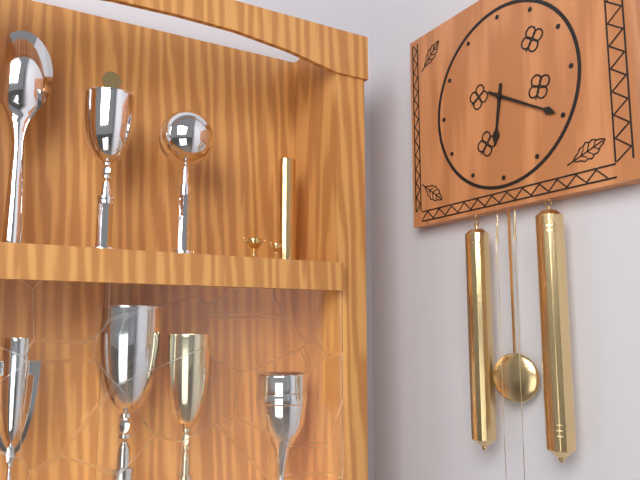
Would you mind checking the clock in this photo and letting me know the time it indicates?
6:20
